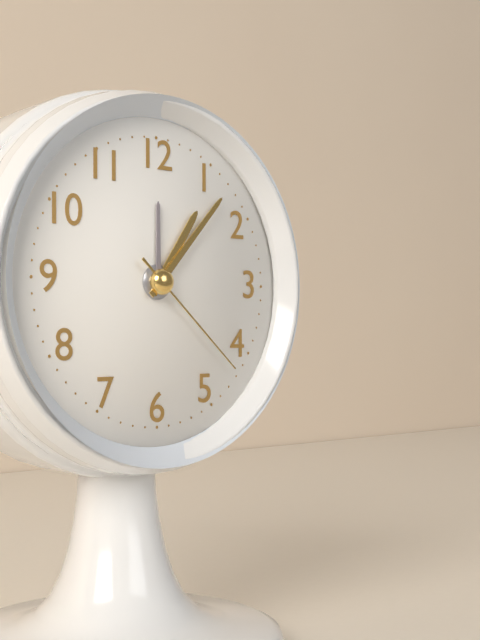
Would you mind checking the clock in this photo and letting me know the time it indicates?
1:07:22
